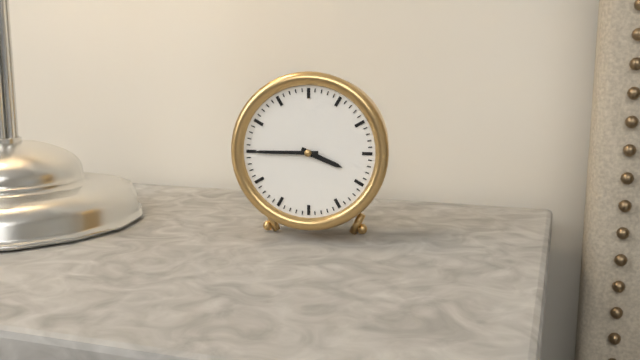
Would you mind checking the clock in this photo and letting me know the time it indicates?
3:45
